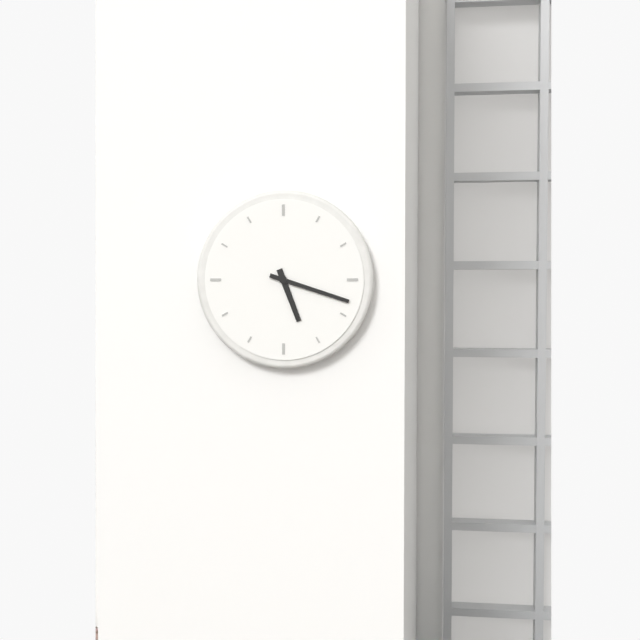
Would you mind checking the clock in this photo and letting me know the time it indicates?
5:18
